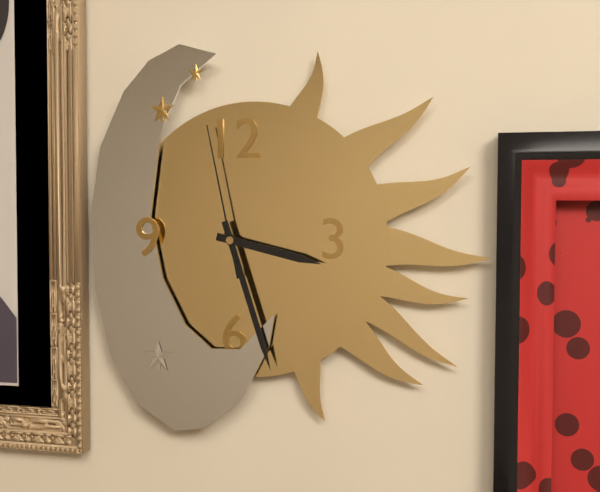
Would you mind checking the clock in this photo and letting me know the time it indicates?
3:27:58
